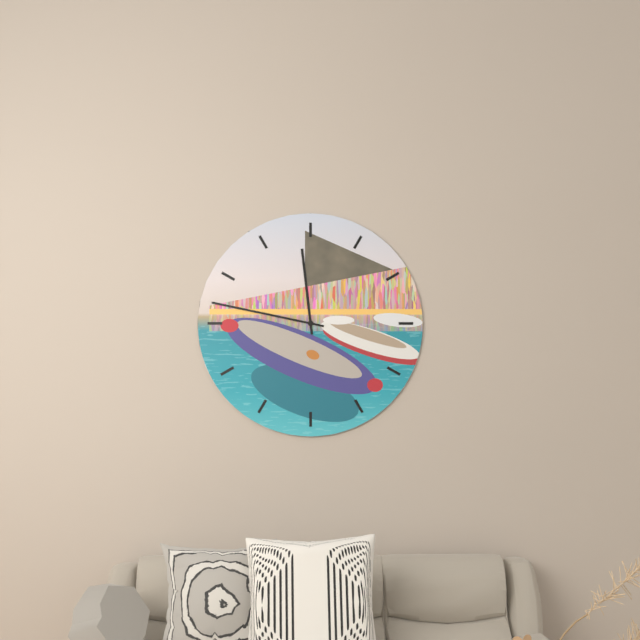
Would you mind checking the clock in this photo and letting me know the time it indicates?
11:47
